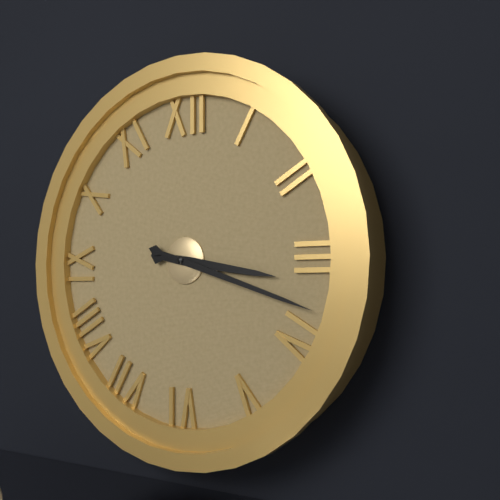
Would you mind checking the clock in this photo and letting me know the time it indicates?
3:18
